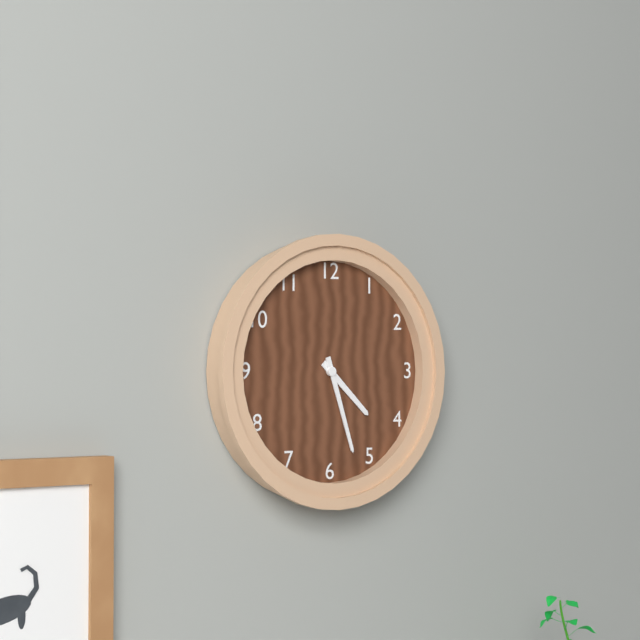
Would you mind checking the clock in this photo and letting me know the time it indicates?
4:27
